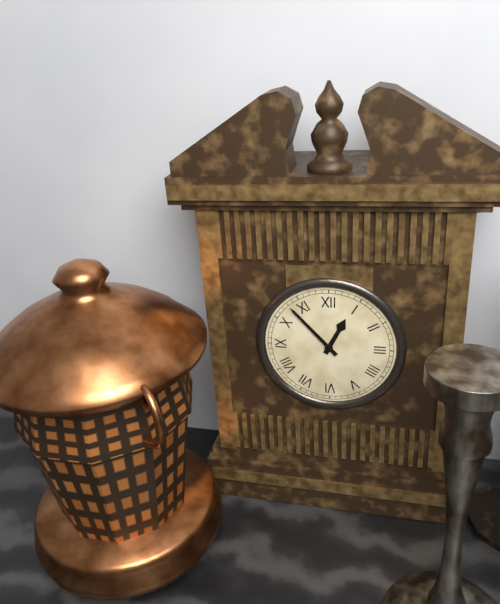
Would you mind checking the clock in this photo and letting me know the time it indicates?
12:53
